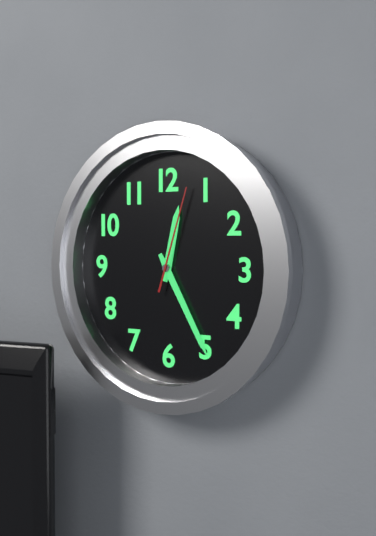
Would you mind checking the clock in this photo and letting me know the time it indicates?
12:25:03
